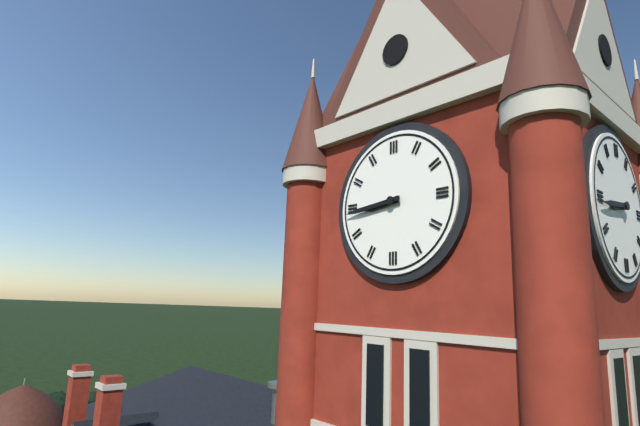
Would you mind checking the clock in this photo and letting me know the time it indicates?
8:44
